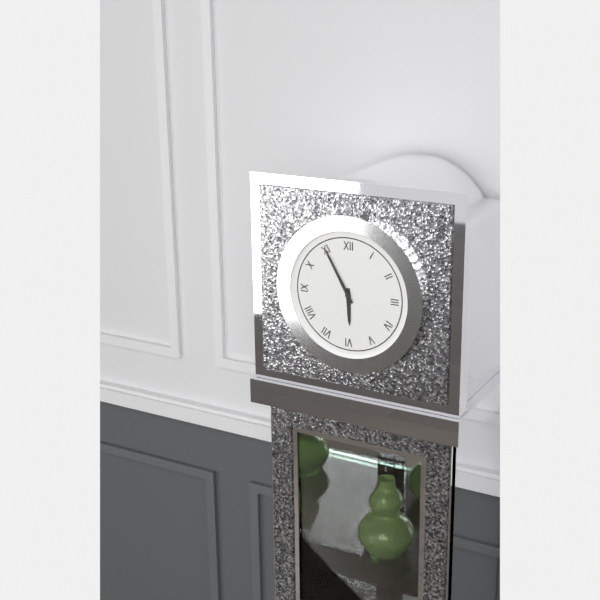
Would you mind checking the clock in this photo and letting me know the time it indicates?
5:55
